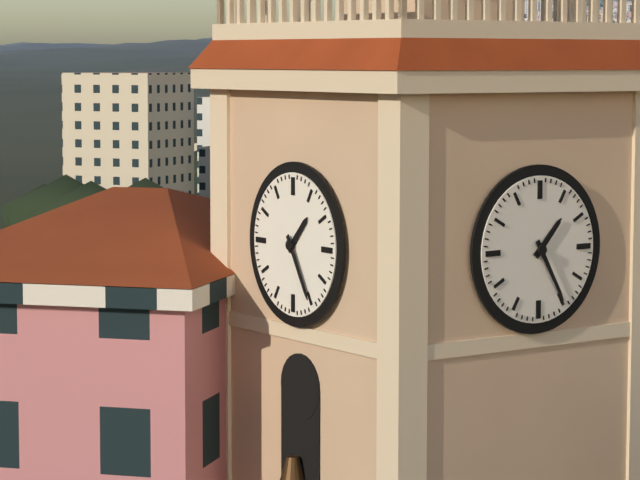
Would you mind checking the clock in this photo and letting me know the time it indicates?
1:25
